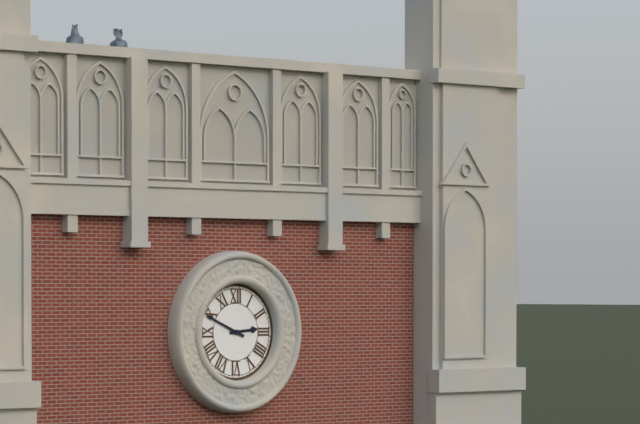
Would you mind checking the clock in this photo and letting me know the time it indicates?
2:49
